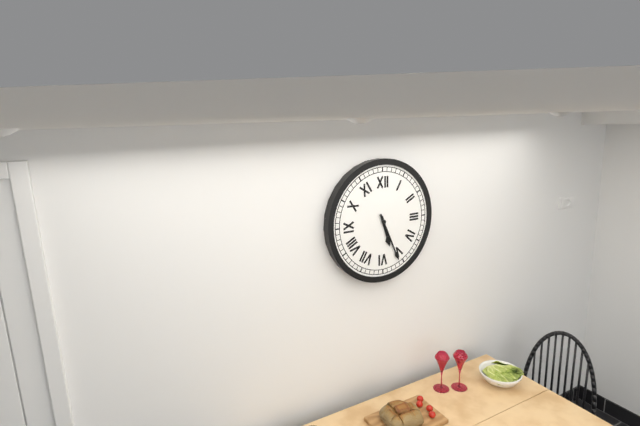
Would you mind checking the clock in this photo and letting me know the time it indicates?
5:26
